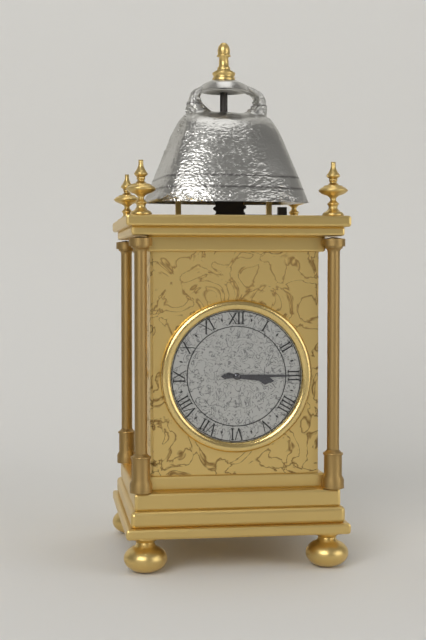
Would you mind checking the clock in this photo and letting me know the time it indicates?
3:15
